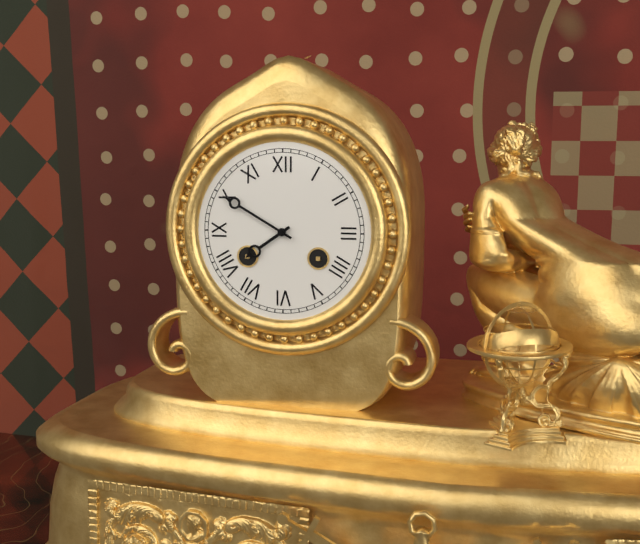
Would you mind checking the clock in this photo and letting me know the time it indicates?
7:50
